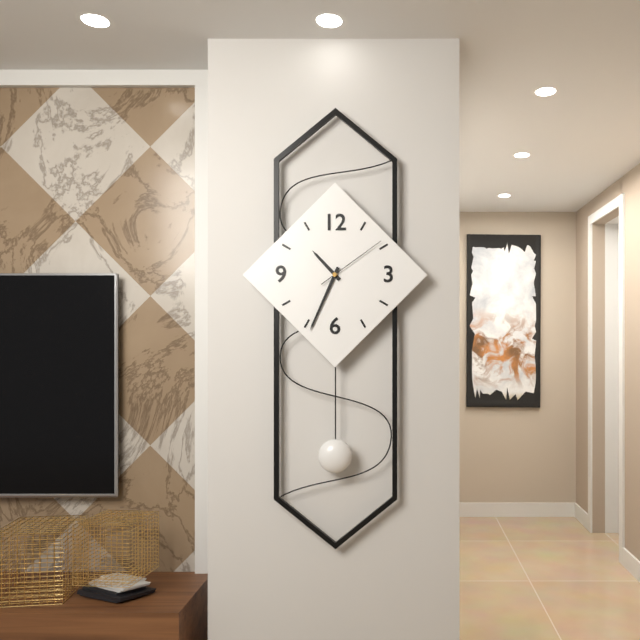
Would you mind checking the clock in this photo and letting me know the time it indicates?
10:34:09
